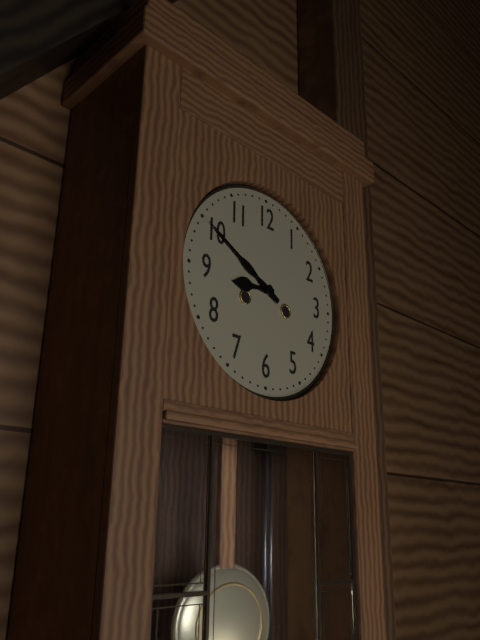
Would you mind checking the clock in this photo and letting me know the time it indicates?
8:50
